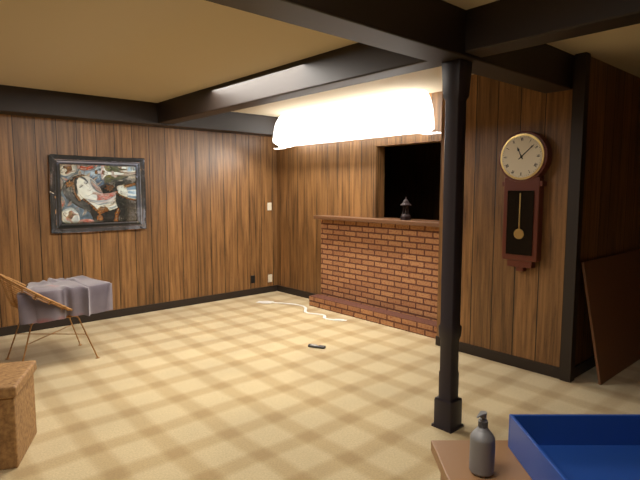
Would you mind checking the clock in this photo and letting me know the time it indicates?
11:08
